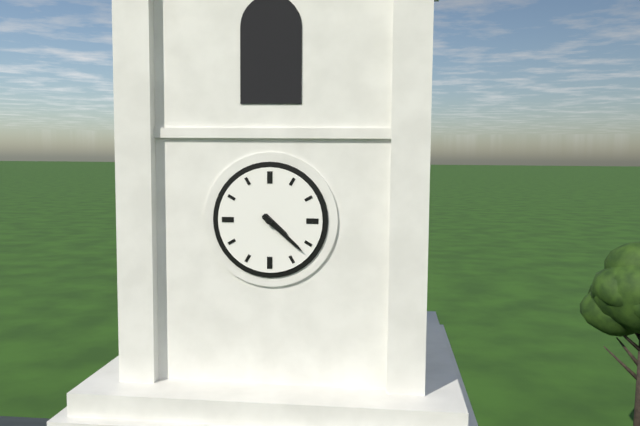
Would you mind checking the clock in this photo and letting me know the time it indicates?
4:22
